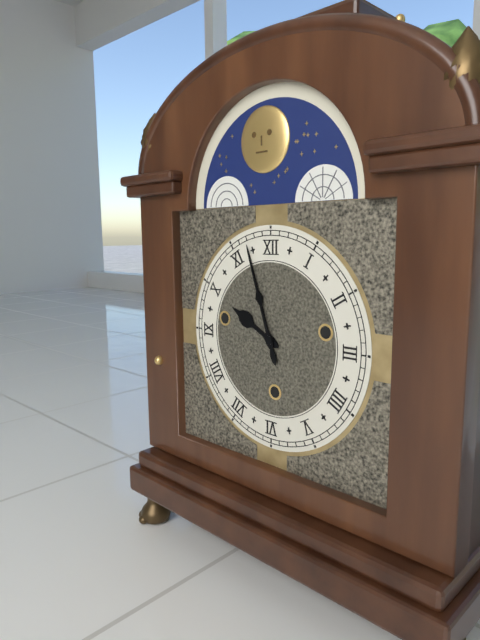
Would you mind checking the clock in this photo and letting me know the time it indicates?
9:57
